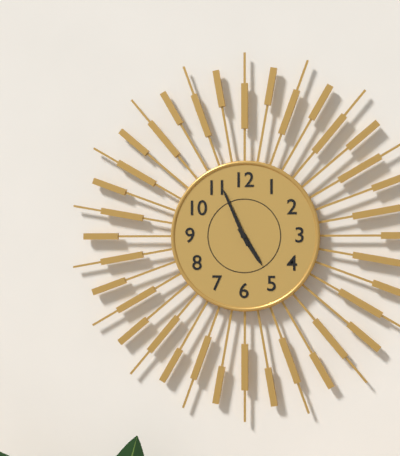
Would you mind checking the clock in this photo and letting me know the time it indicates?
4:56
